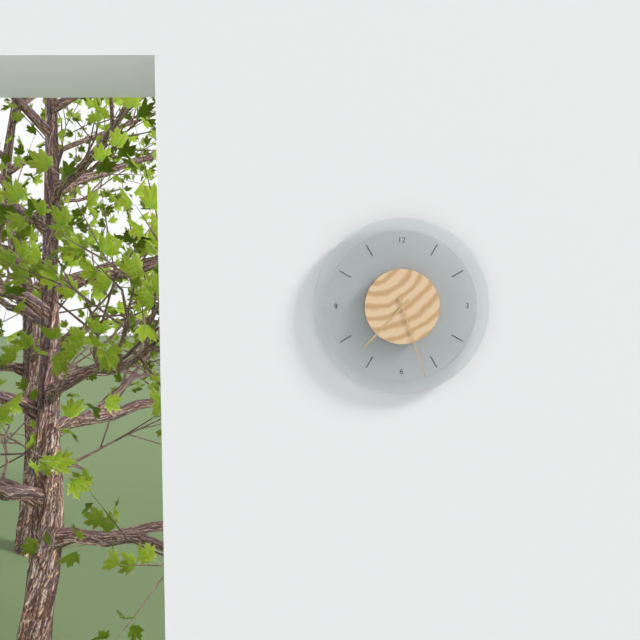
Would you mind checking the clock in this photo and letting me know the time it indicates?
7:27
